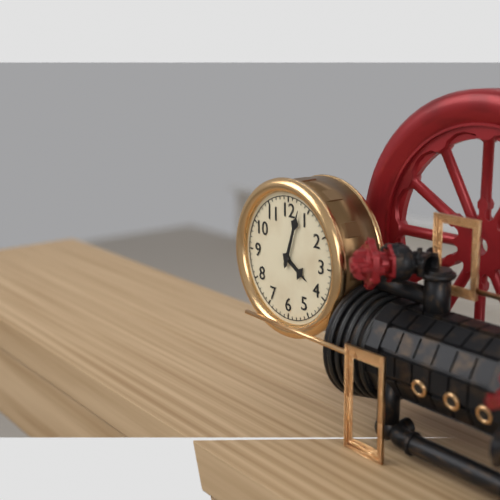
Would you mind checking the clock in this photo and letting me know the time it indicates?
4:03
